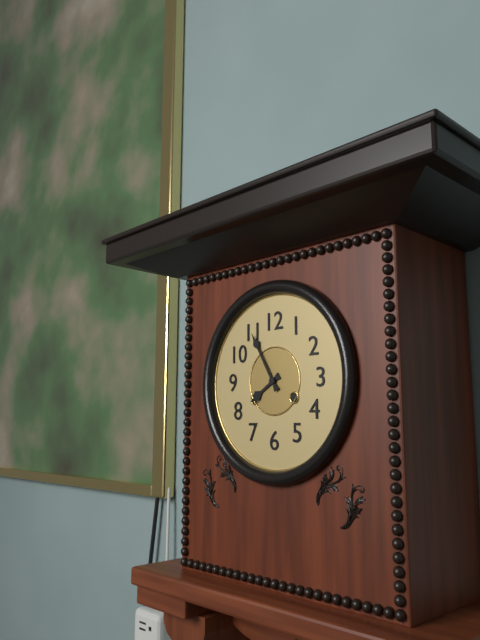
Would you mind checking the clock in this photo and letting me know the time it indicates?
7:55
